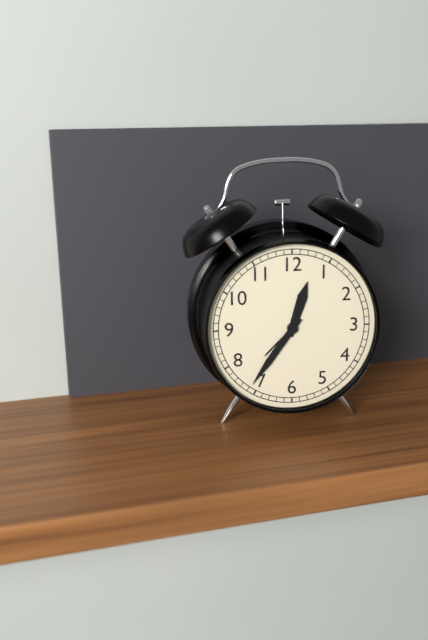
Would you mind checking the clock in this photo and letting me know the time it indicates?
12:36
